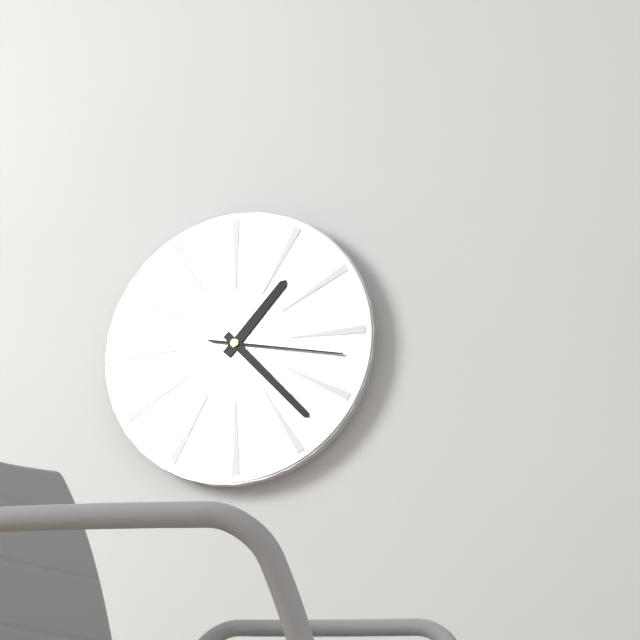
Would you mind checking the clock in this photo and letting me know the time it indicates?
1:23:17
